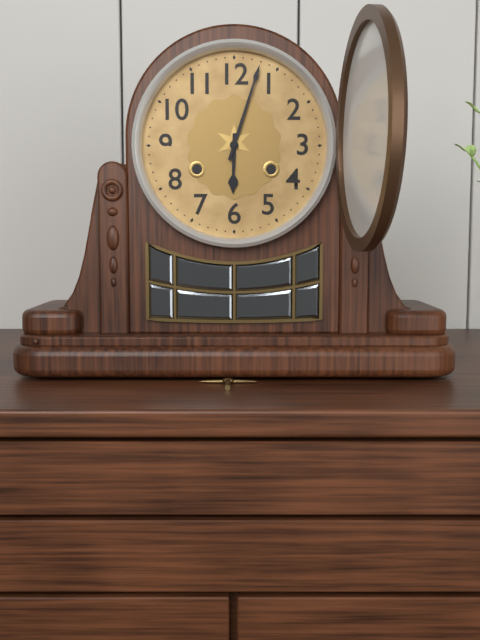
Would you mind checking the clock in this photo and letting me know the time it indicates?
6:03
